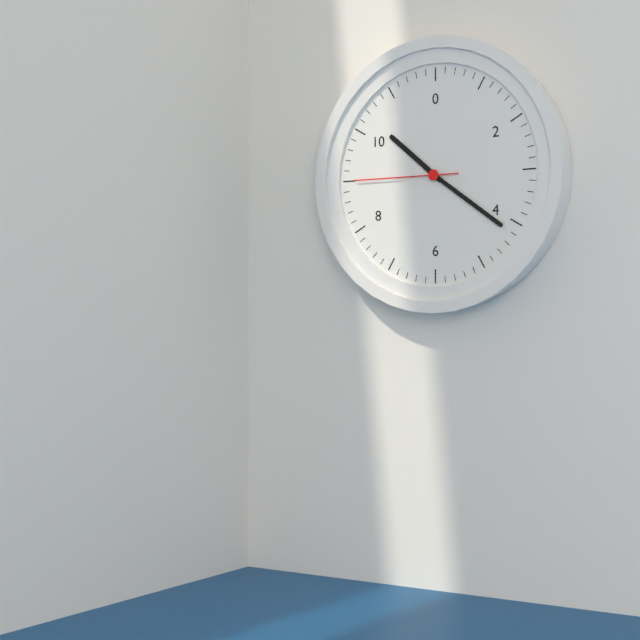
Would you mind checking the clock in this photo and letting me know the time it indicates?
10:21:45
